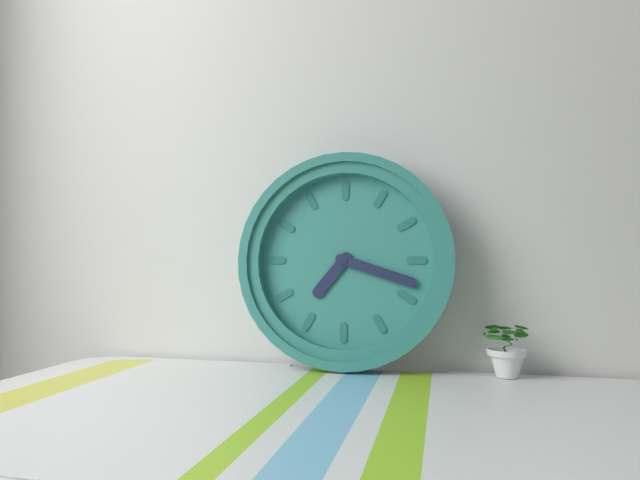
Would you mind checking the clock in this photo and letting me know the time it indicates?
7:18
